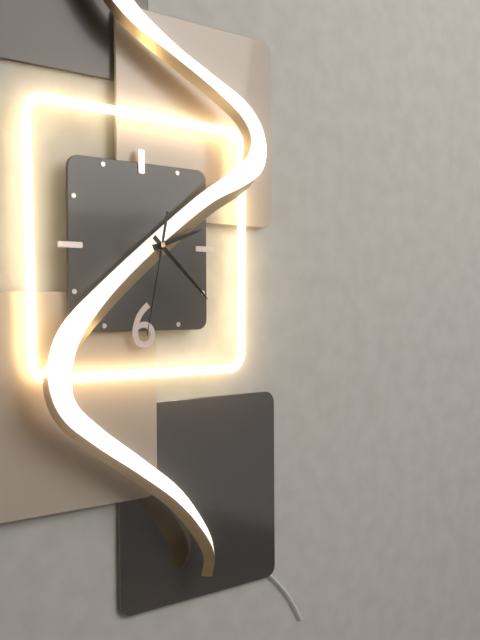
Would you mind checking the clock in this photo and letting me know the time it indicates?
2:22:32
